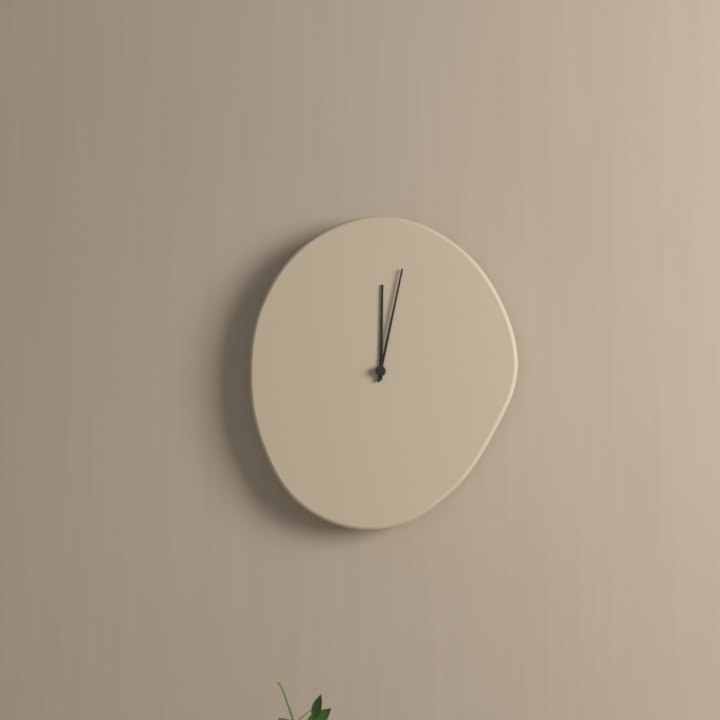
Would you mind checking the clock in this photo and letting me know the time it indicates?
12:02
